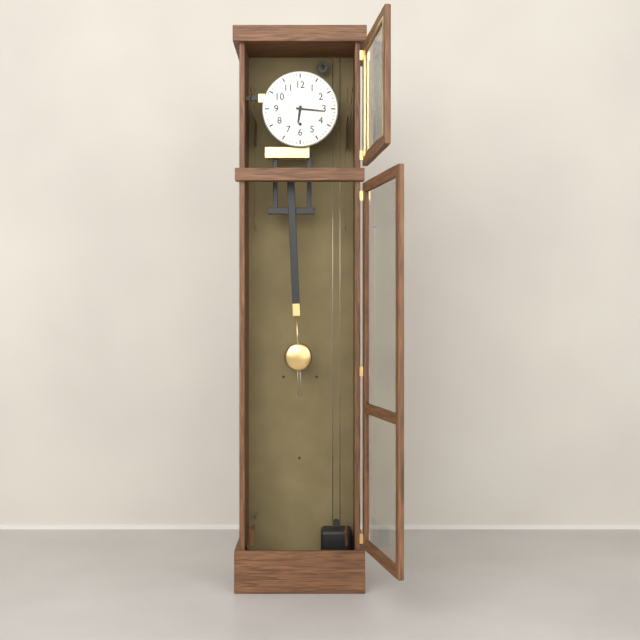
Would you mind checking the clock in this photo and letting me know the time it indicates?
6:16
